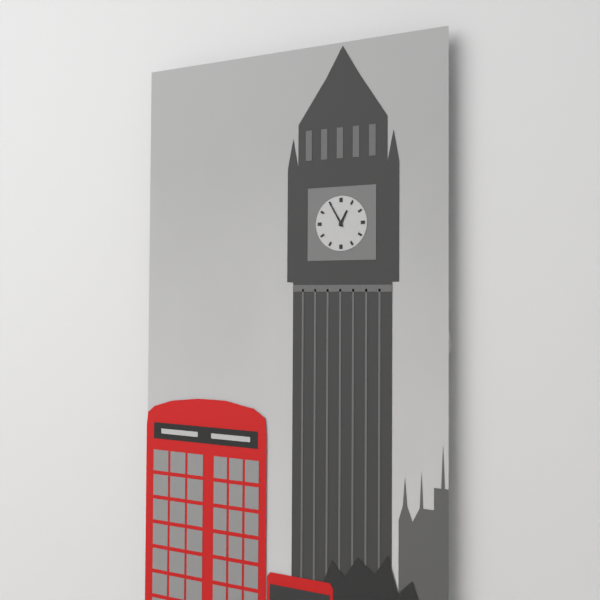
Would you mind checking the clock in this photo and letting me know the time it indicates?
12:55
